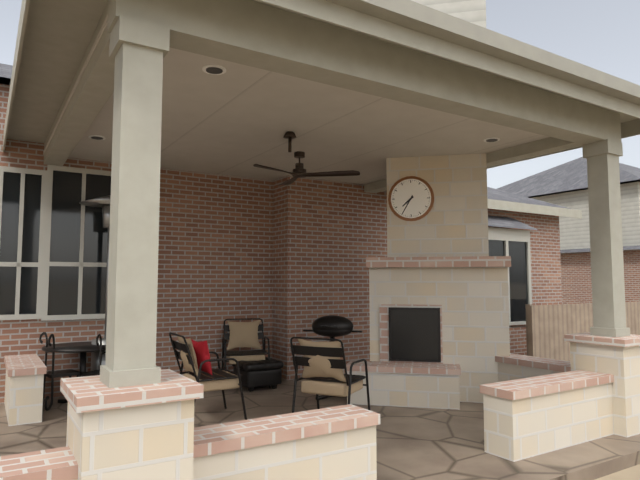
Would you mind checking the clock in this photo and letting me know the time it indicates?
7:35
